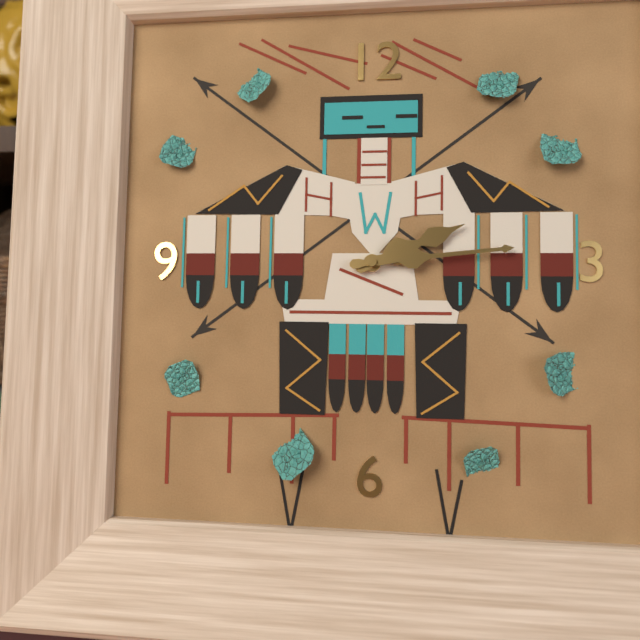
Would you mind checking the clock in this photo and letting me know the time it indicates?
2:14
